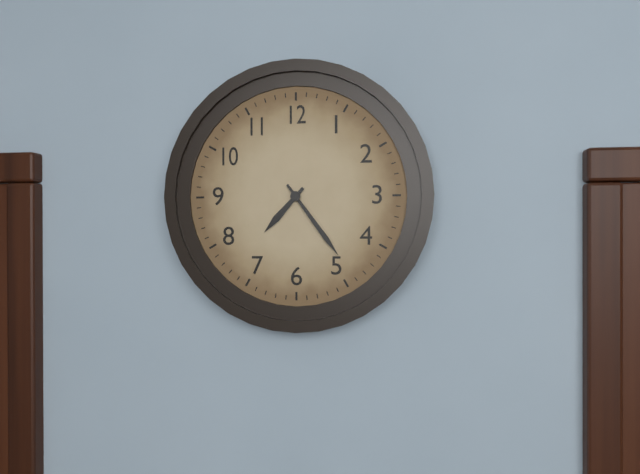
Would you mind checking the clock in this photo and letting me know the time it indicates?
7:24
